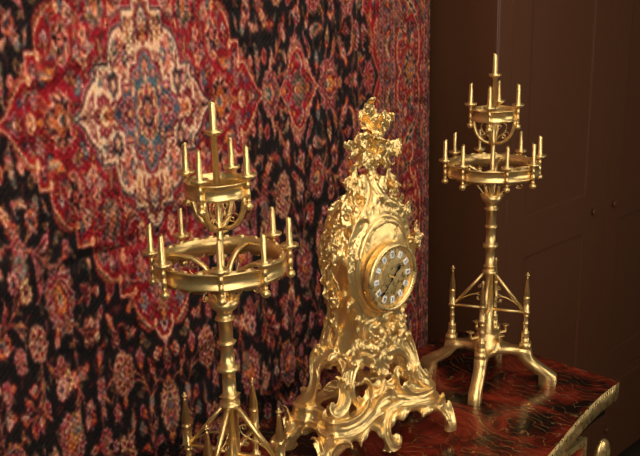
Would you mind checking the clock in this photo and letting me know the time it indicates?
1:38
